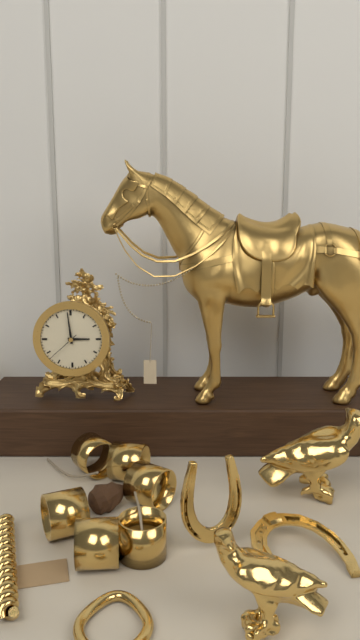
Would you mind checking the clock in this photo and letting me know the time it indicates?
2:59
